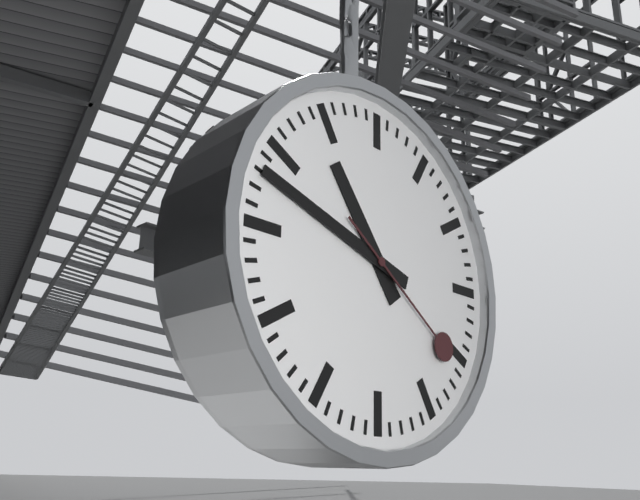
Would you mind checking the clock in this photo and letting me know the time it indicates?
10:48:21
